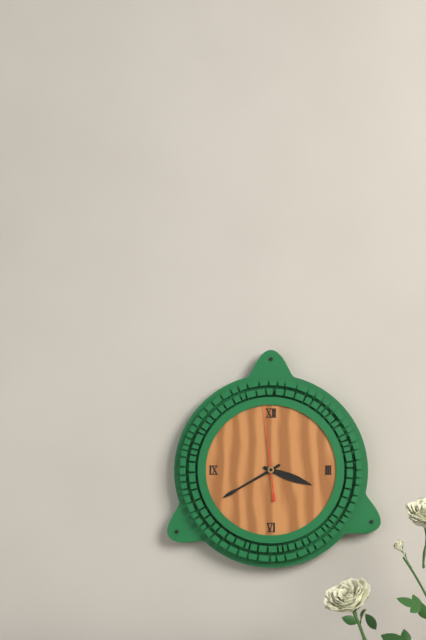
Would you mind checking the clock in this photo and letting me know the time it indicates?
3:40:59
